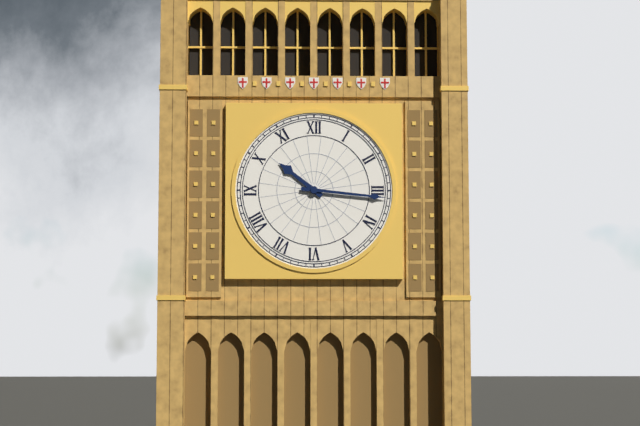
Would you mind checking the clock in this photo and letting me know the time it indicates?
10:16
